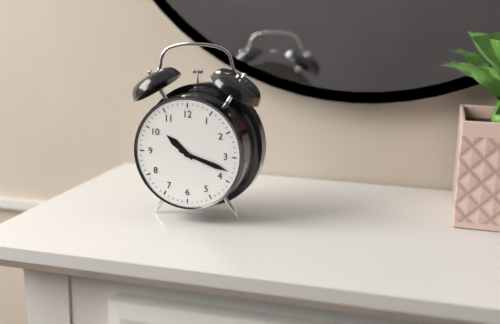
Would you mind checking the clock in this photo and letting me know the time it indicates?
10:18
